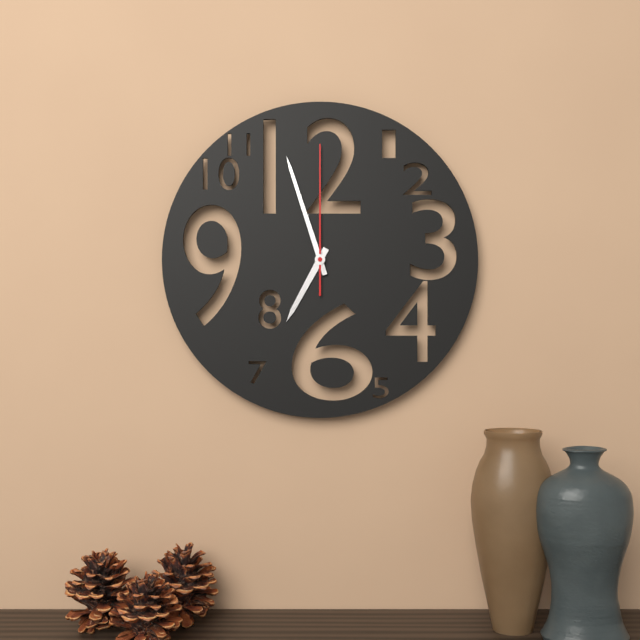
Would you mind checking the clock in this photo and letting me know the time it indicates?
6:57:00
